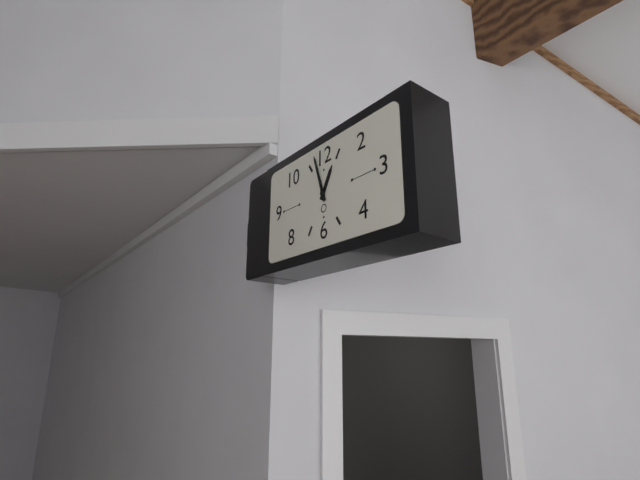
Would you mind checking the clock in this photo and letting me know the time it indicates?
12:57
